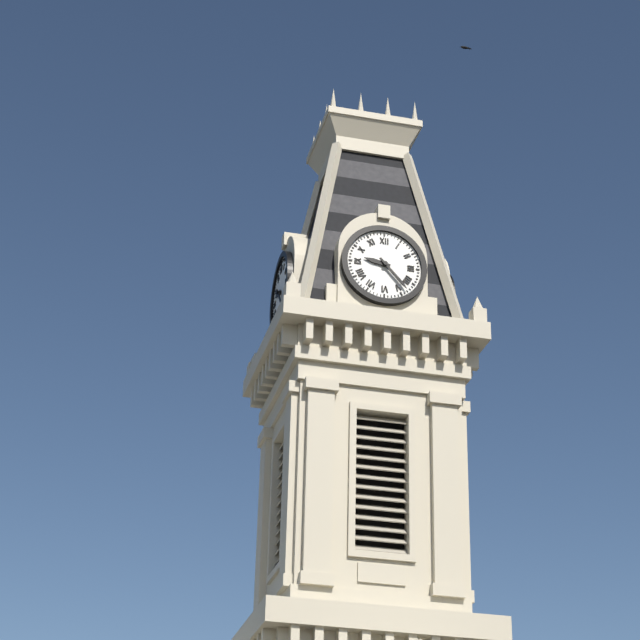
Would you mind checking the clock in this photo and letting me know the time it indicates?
9:23
